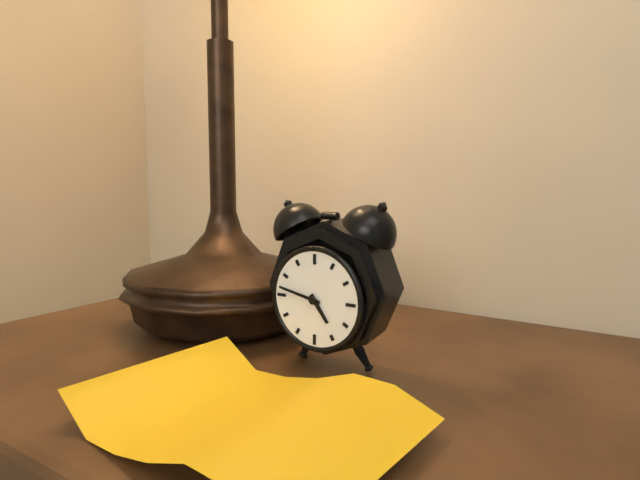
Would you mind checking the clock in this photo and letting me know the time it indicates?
4:47
